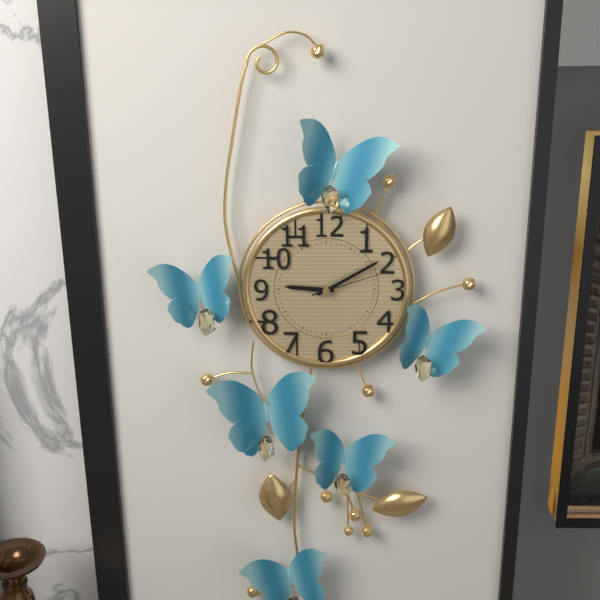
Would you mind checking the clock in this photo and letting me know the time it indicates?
9:10:12
